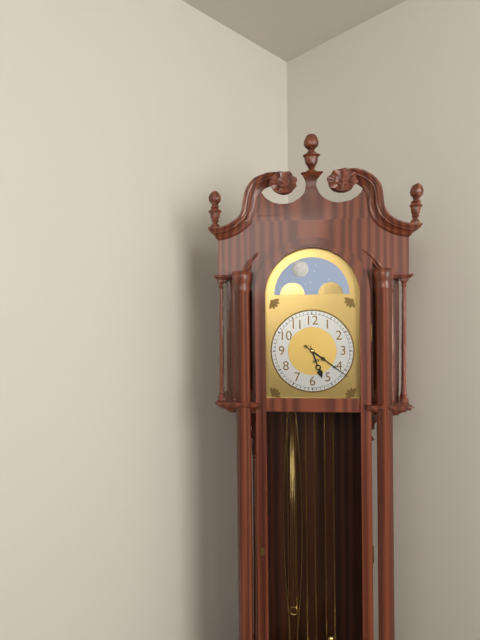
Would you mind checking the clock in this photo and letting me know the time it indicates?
5:21
